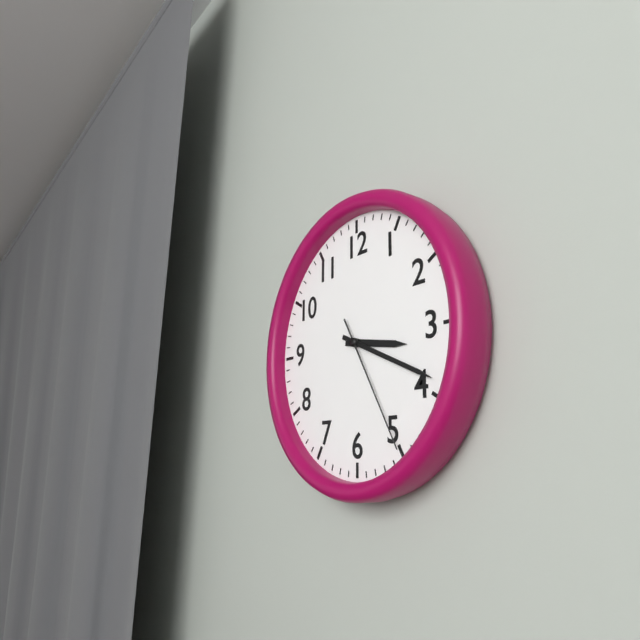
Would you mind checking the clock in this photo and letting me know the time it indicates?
3:19:25
